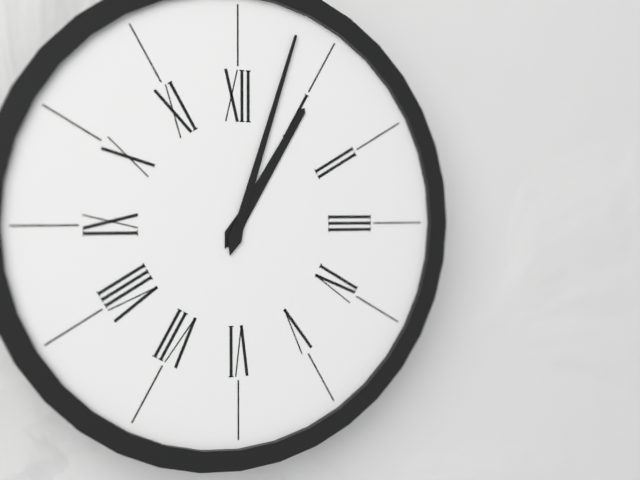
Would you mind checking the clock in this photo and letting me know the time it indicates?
1:03
